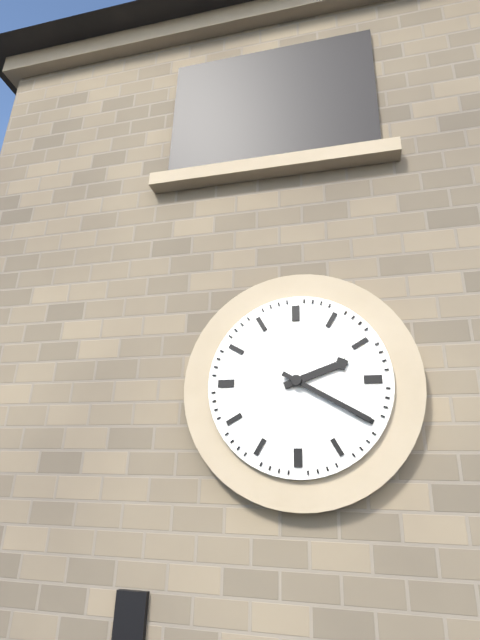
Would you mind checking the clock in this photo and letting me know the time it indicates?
2:20
